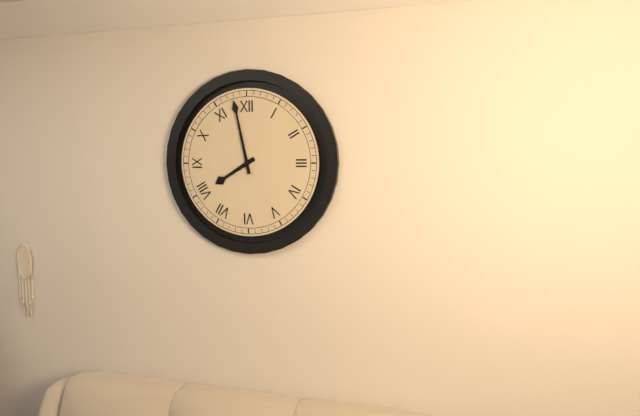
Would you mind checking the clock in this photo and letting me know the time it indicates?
7:58
